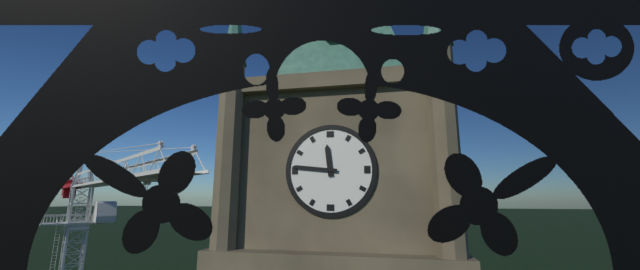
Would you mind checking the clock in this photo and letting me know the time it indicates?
11:46
